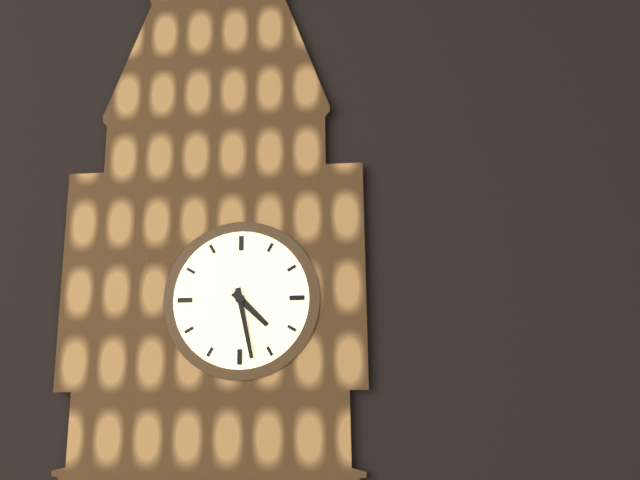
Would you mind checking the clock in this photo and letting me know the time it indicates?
4:28
